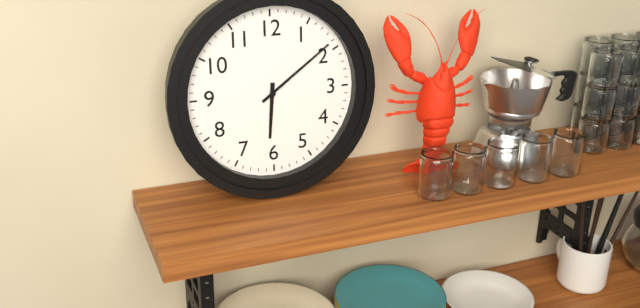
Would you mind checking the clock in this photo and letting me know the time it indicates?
6:09
